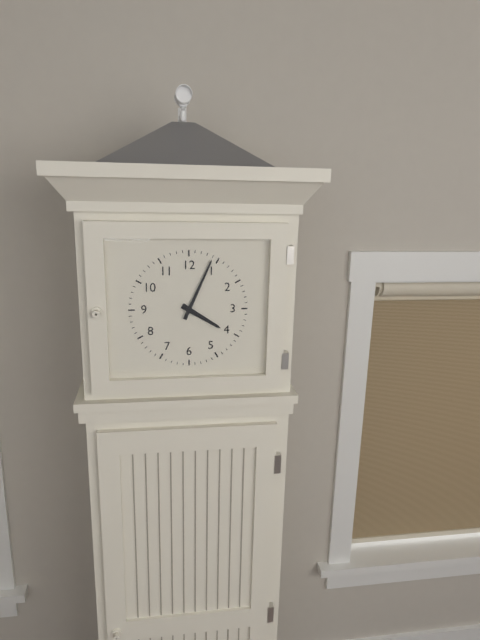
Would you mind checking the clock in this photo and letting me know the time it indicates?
4:04
